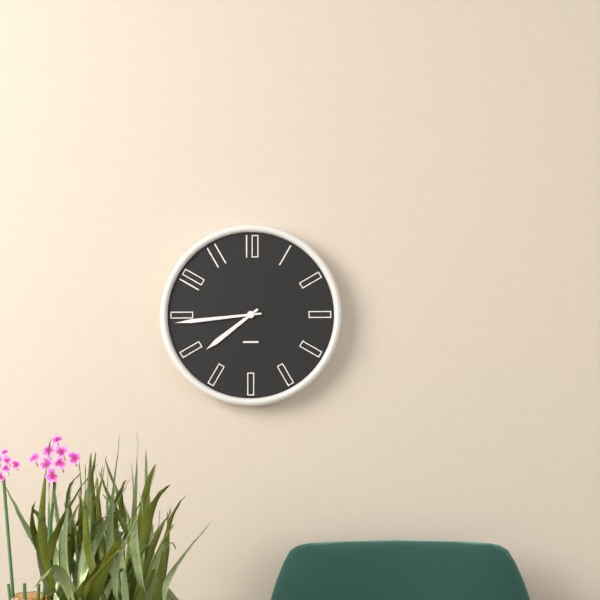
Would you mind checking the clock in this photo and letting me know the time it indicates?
7:44
